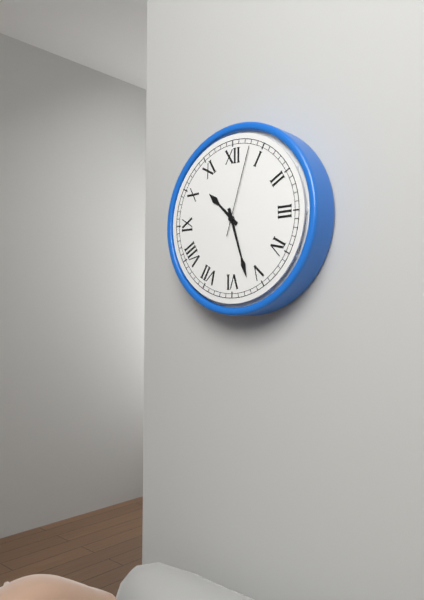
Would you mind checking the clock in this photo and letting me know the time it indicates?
10:27:03
